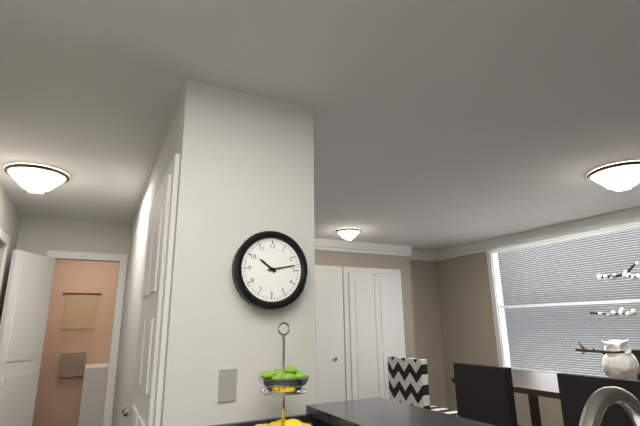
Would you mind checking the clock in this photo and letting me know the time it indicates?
10:13
